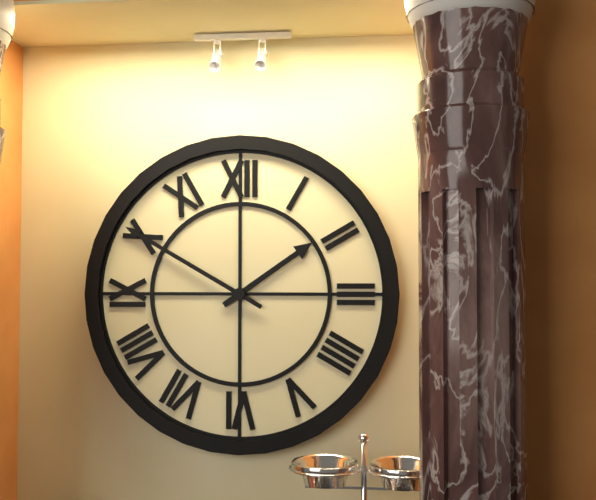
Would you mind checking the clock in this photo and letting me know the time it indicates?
1:50
